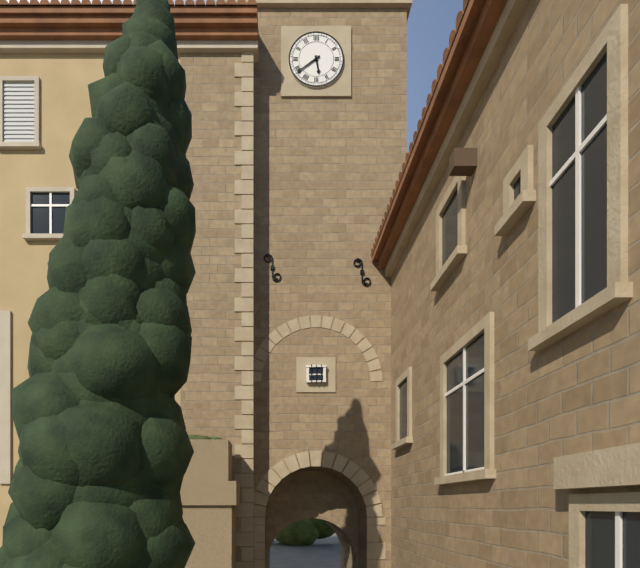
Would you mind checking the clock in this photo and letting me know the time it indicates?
5:39
